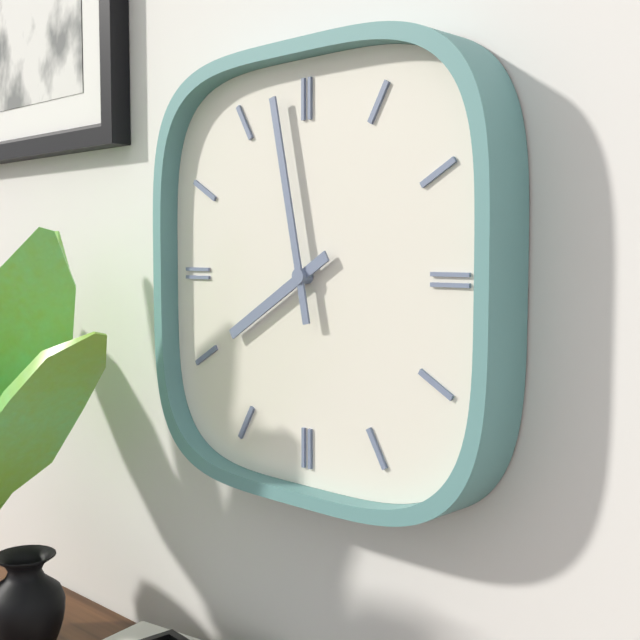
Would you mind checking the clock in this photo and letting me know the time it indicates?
7:58
